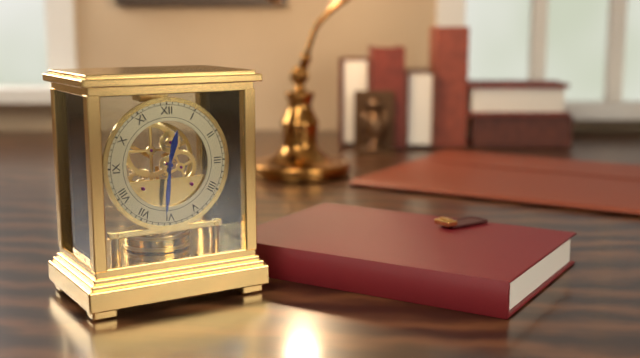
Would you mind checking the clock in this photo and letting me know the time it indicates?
12:31
